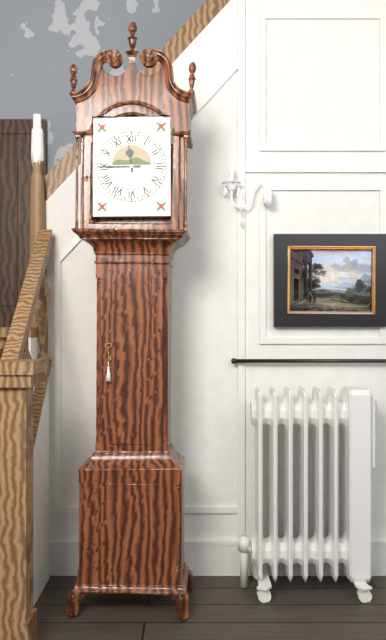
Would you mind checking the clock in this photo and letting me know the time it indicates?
11:45
